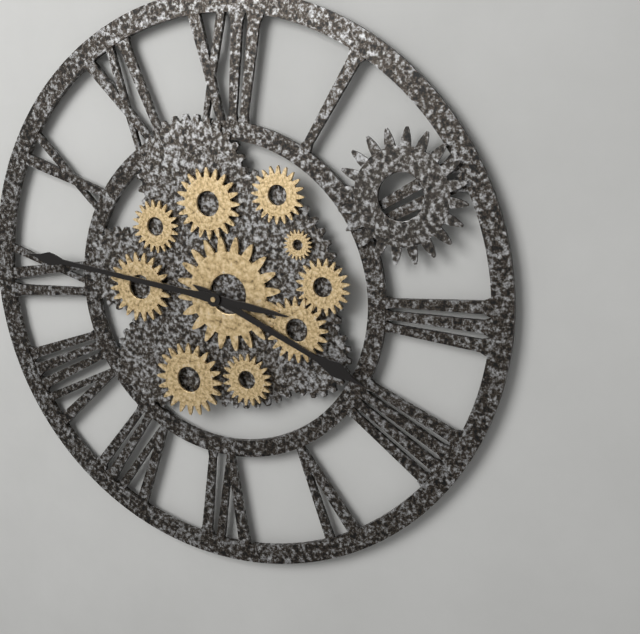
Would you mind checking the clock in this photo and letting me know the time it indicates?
3:46
